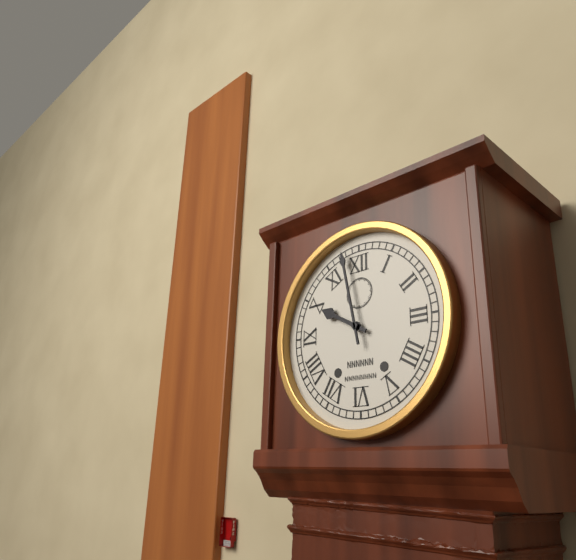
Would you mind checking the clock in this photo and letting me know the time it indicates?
9:58
